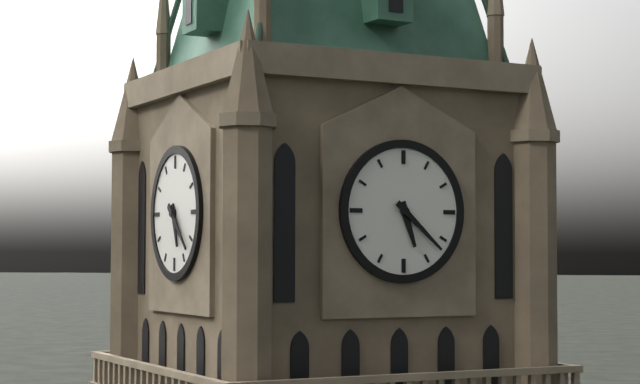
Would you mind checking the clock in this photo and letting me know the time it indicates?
5:22
